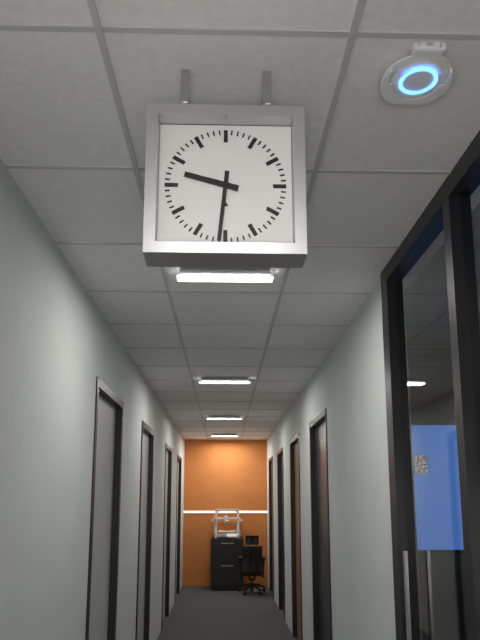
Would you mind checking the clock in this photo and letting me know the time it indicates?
9:31
